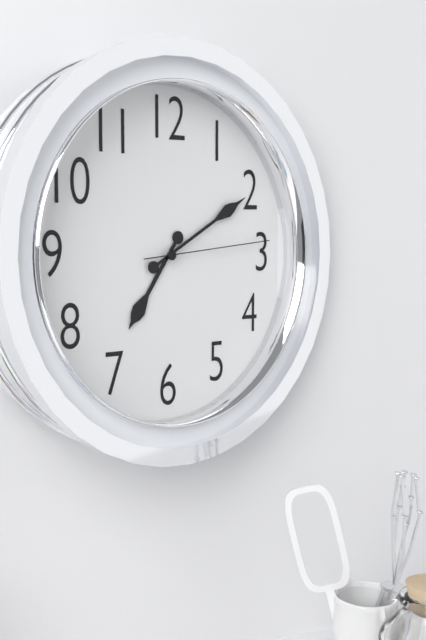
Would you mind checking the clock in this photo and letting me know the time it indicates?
7:10:14
